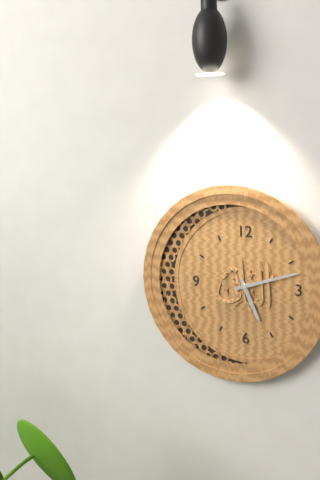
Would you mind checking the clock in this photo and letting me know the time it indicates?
5:12
